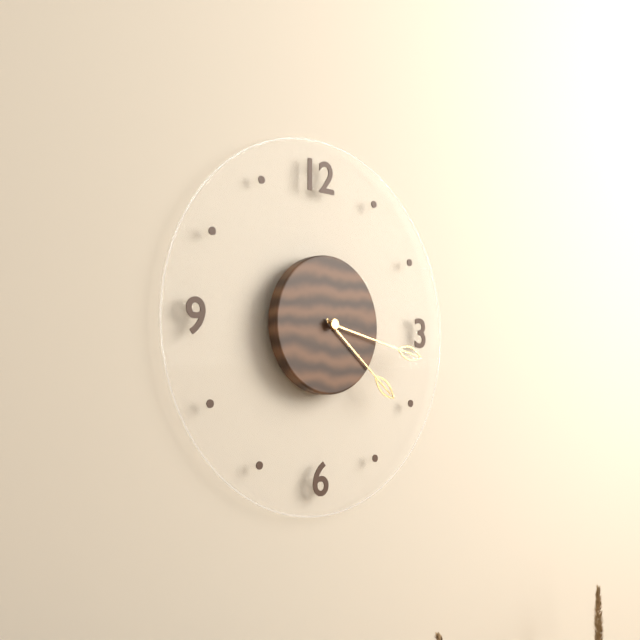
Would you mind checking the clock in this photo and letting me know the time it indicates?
4:17
